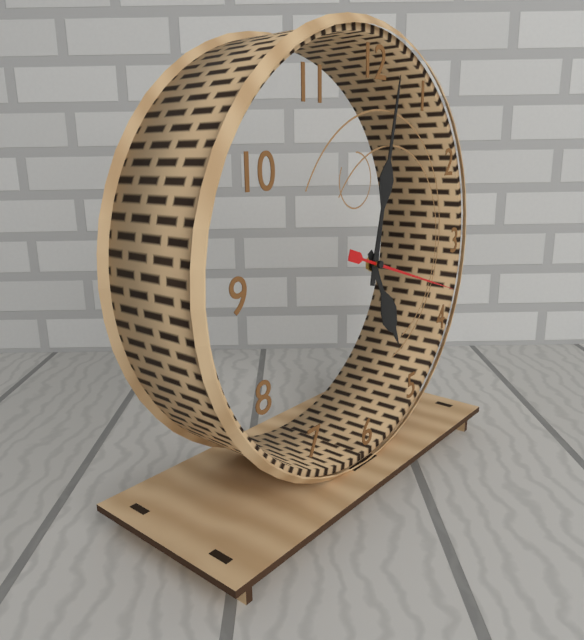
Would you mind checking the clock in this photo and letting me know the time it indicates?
5:02:18
